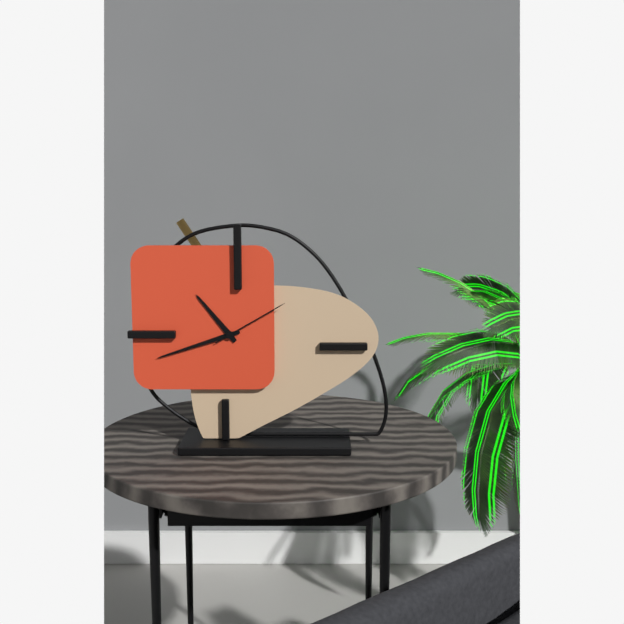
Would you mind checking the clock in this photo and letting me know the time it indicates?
10:42:10
